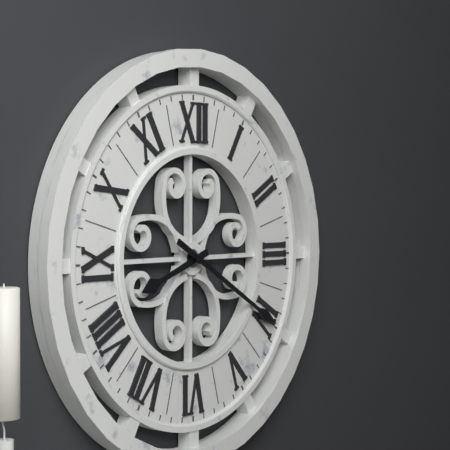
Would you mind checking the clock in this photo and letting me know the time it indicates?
8:20
